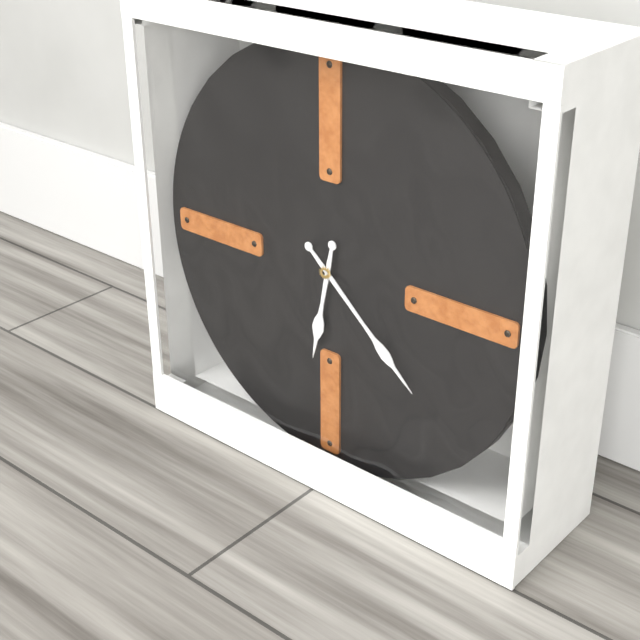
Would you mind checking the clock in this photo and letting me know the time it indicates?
6:22
